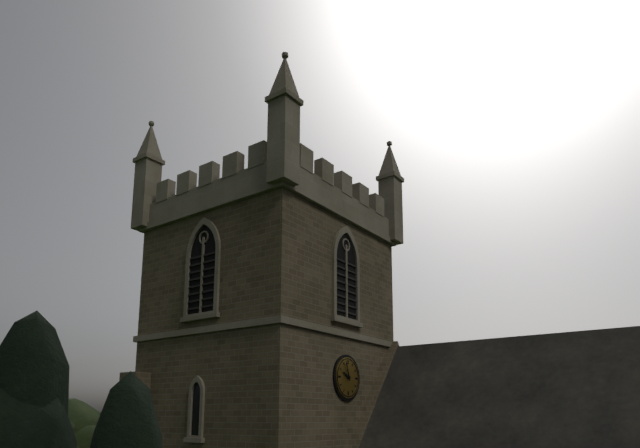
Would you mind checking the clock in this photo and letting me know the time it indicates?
9:57
